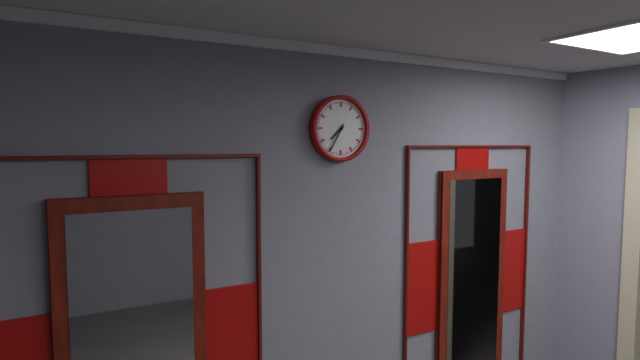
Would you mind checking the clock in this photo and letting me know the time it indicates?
7:35
